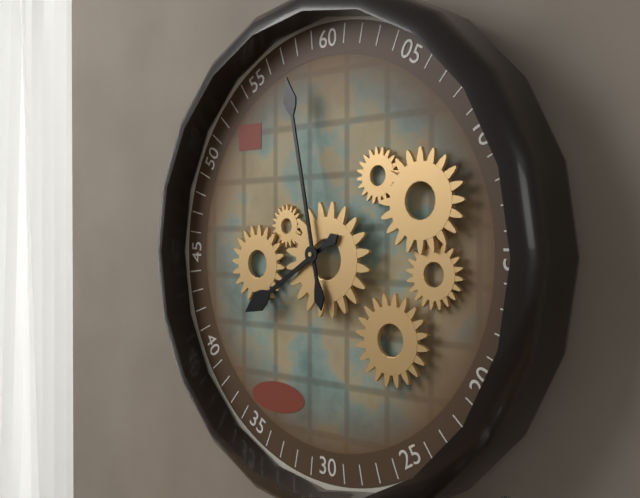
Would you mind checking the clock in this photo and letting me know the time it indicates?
7:58
